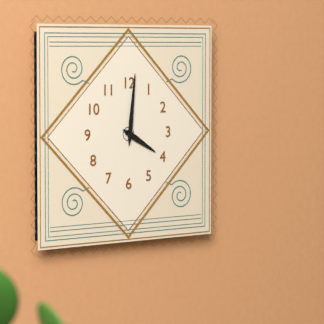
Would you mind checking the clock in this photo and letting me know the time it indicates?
4:01
